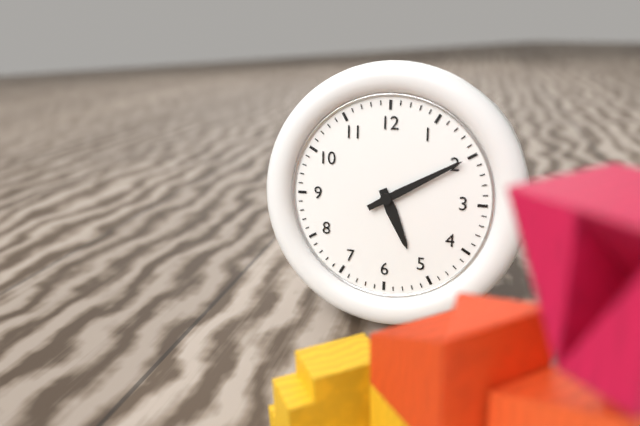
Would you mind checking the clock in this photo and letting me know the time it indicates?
5:10
